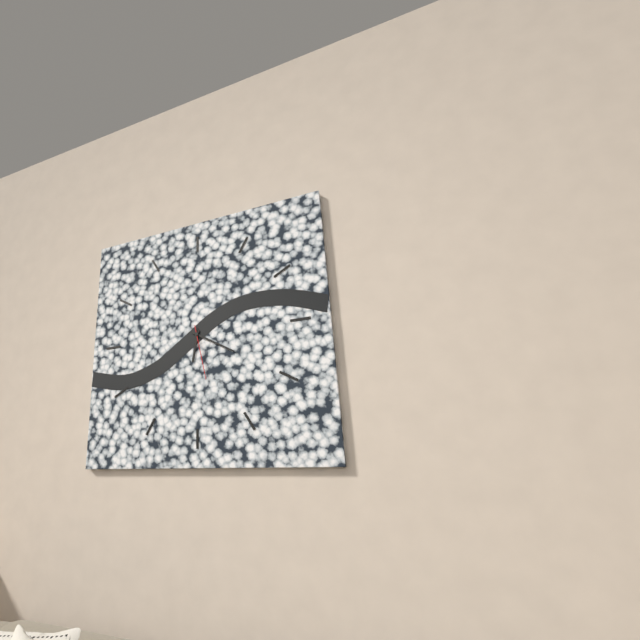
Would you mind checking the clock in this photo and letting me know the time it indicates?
6:20:28
